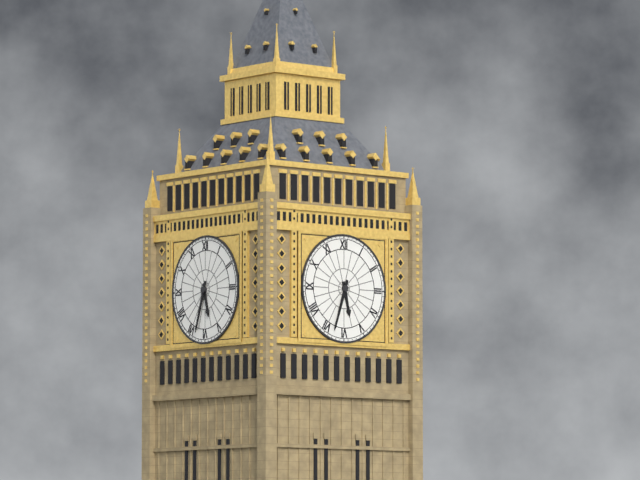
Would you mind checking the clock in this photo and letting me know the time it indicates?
5:33
